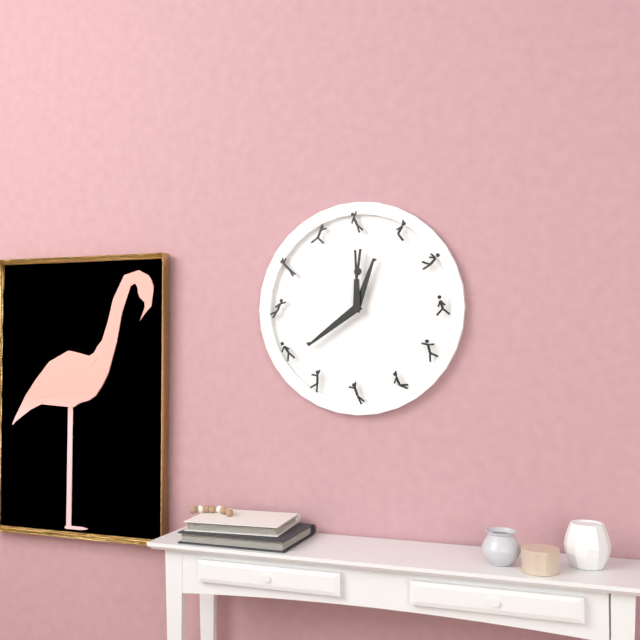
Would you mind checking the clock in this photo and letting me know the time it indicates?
12:39
